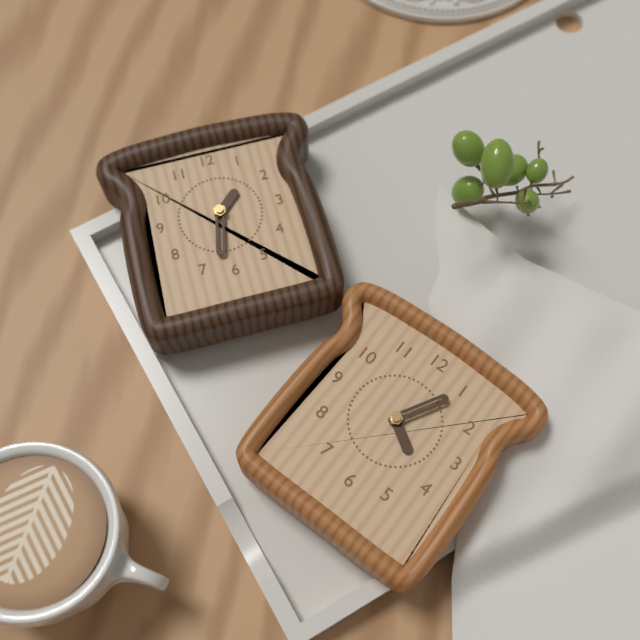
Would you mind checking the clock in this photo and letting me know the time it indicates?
4:05
